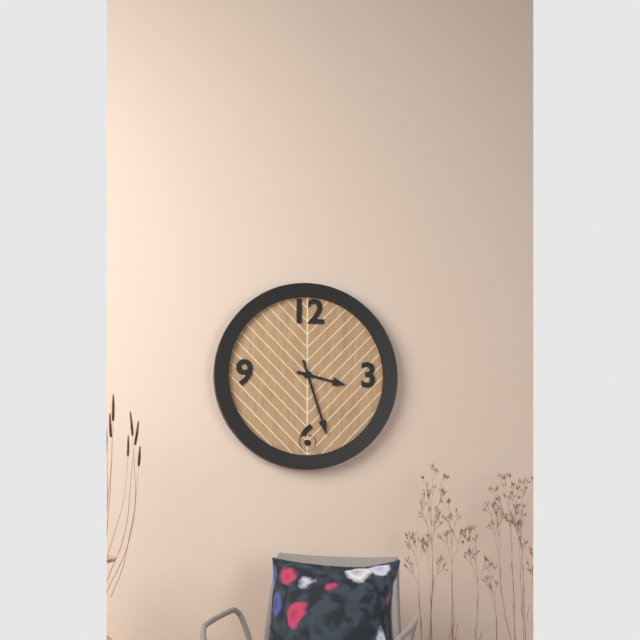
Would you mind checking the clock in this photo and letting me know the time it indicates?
3:27
